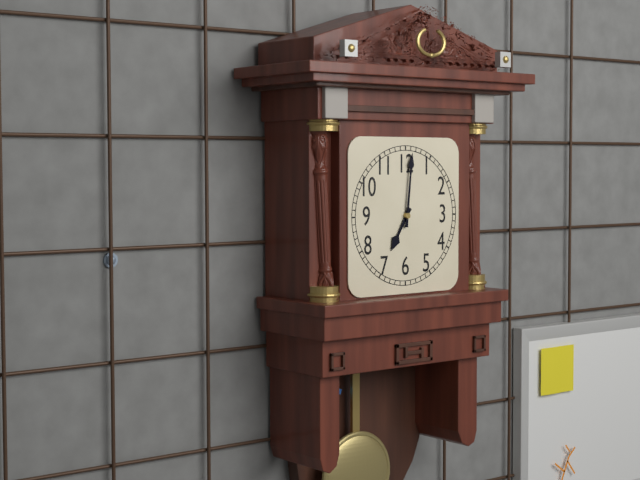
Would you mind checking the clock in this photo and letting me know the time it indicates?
7:01
